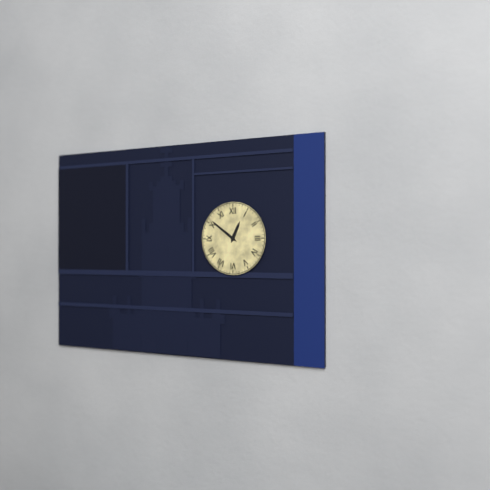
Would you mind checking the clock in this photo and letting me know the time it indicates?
12:51
